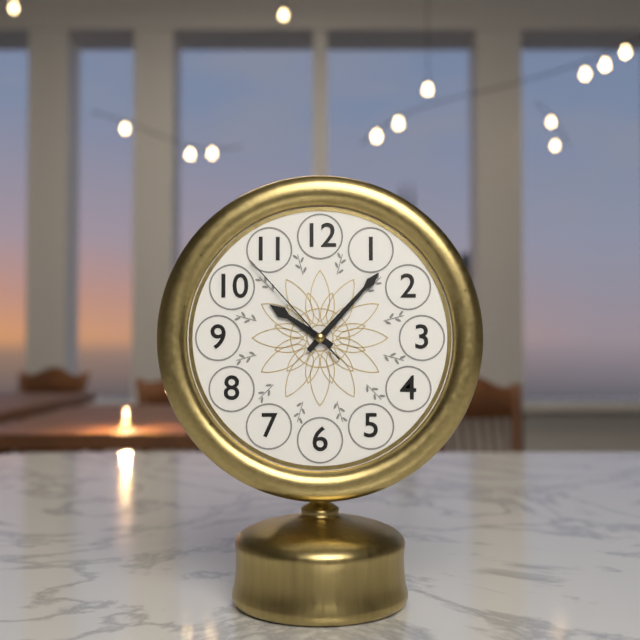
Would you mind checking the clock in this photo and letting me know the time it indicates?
10:07:53
